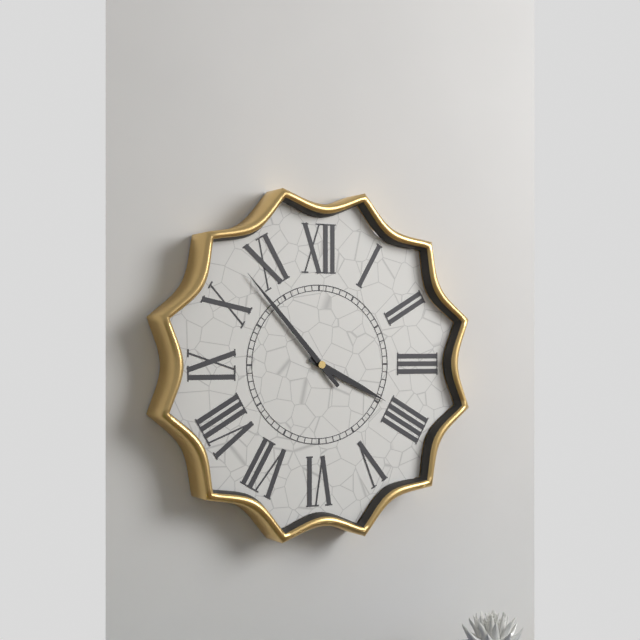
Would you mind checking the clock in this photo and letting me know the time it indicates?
3:53
